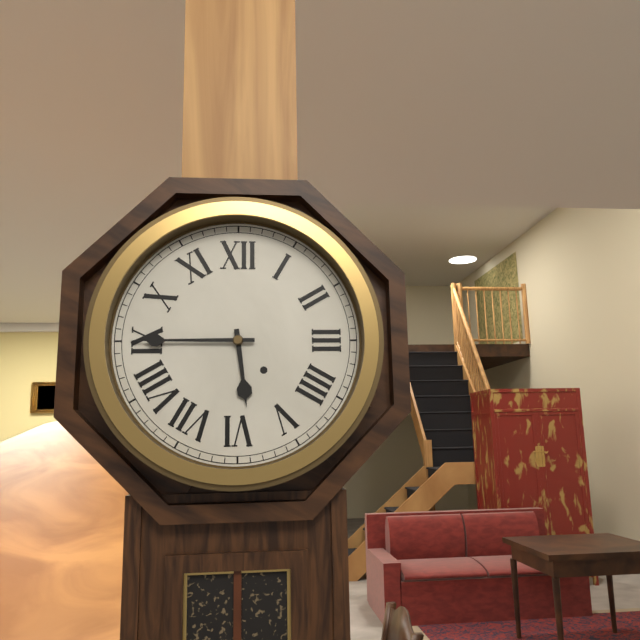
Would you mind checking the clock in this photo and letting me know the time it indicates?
5:45
